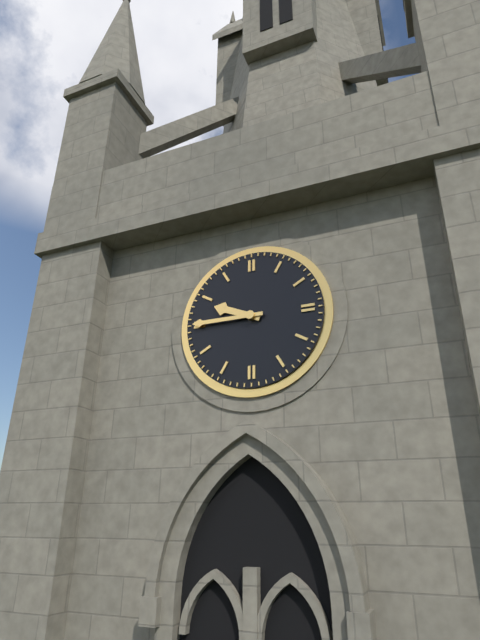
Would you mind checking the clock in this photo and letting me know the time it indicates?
9:45
